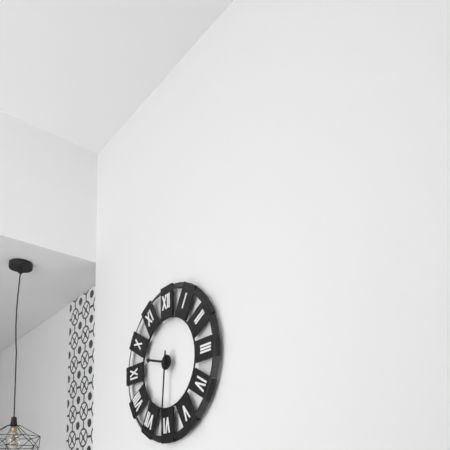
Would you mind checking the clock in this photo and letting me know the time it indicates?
9:31
